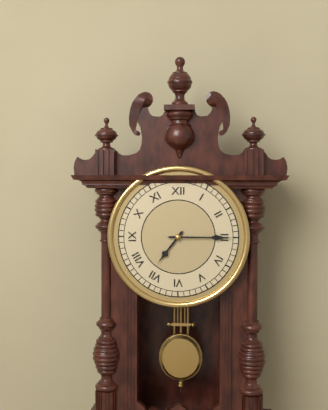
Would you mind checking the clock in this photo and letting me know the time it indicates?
7:15
